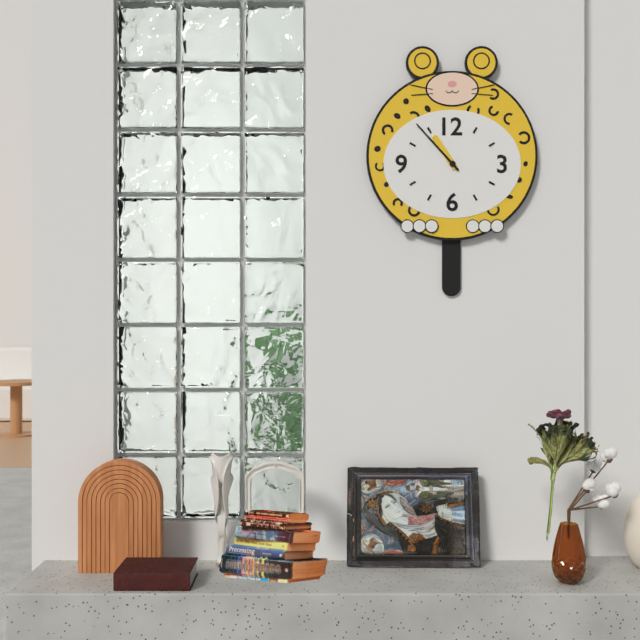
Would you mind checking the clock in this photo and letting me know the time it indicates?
10:53
